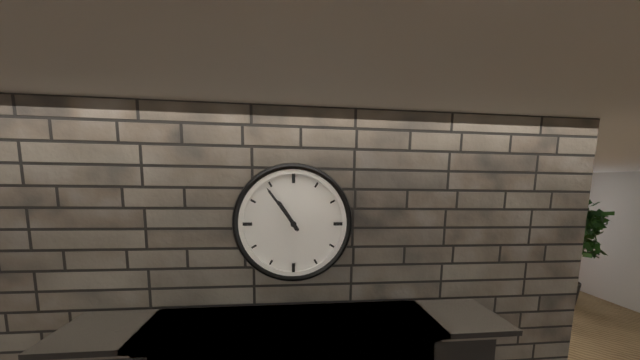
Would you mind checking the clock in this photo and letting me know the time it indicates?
10:54
